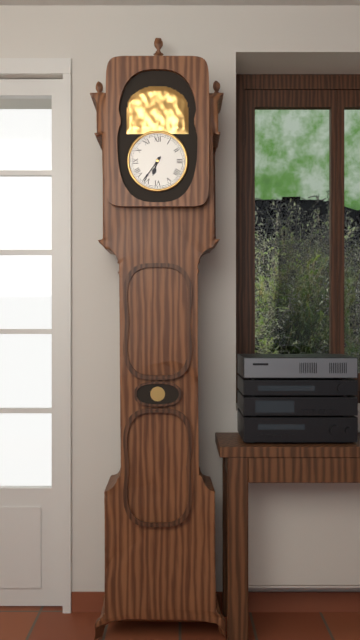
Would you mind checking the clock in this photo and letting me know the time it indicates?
6:36
